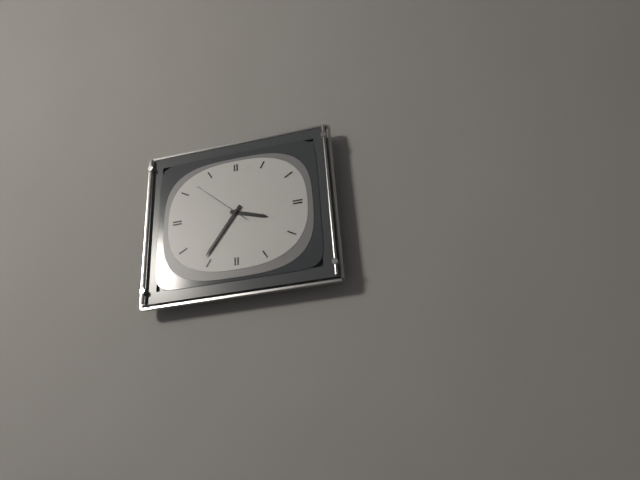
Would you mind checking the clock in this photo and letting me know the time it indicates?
3:36:52
